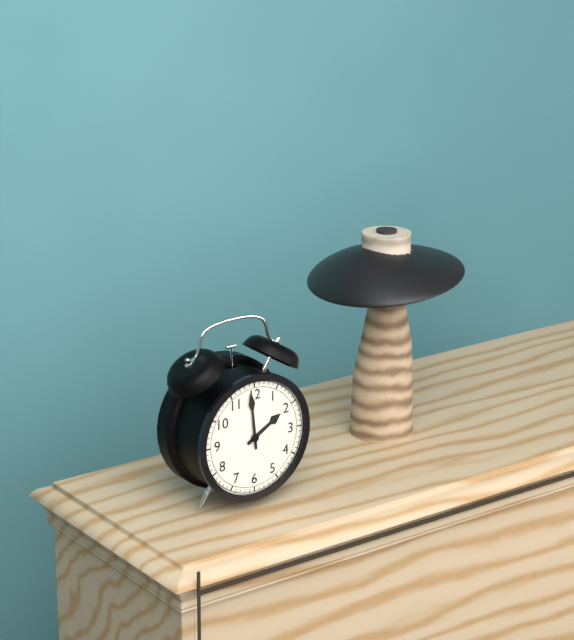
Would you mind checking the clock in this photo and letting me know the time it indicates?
1:59
